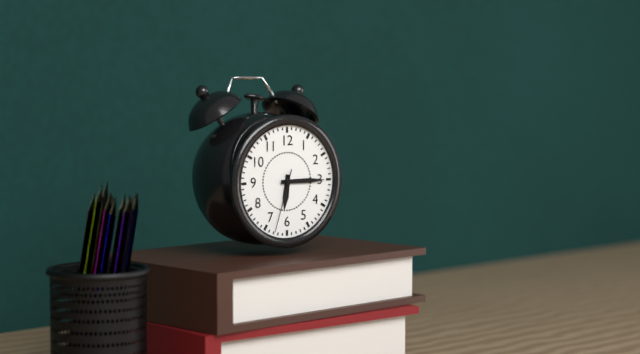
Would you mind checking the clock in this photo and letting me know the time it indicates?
6:15:33
